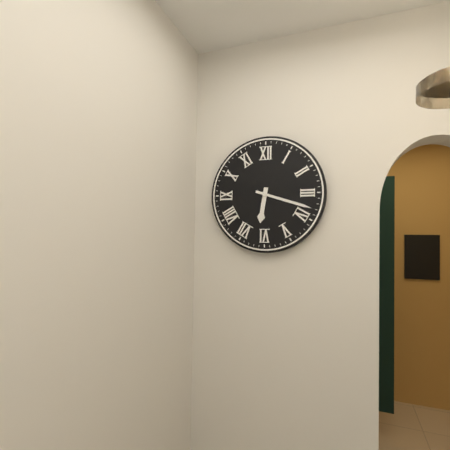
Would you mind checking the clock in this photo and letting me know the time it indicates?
6:18
